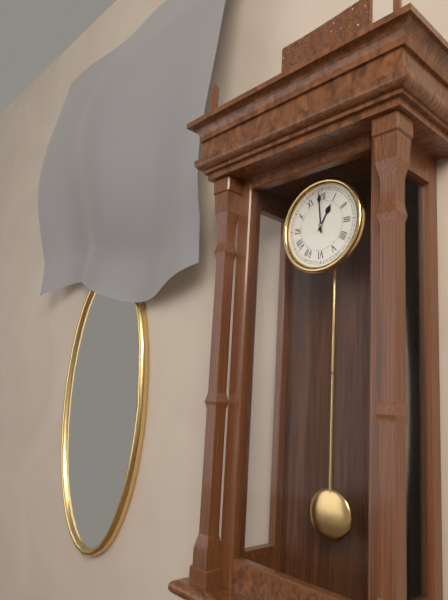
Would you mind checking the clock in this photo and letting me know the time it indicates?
12:59
